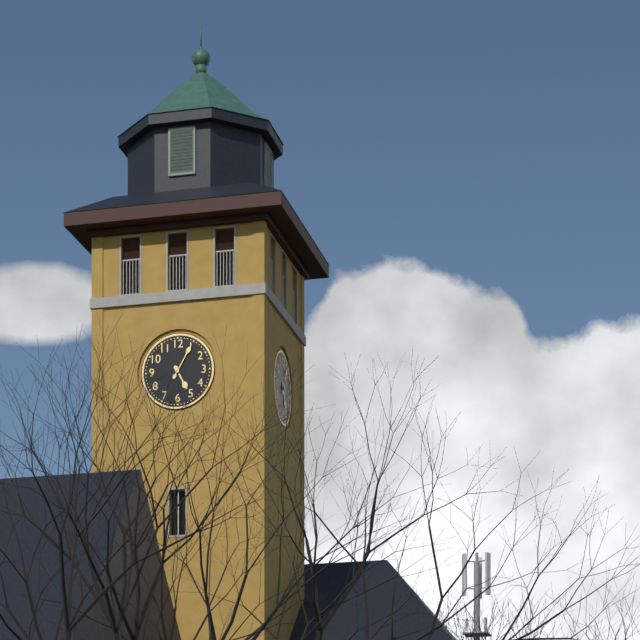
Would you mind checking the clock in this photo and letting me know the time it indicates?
5:05
